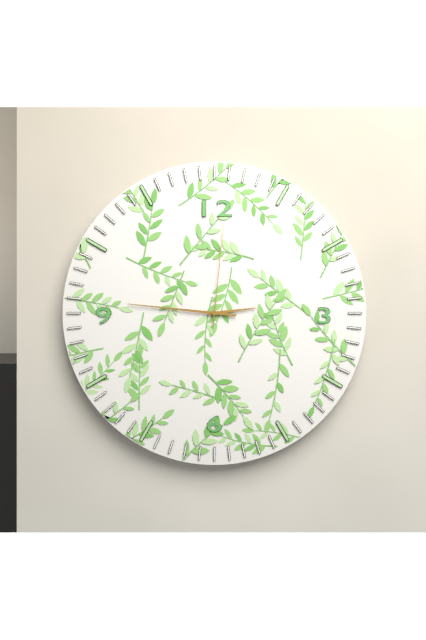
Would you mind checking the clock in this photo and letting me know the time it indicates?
2:46:01
